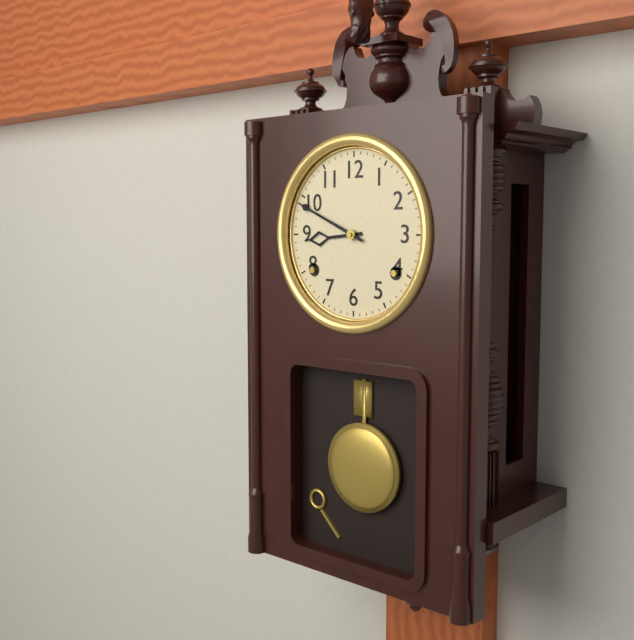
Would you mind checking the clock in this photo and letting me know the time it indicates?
8:49
